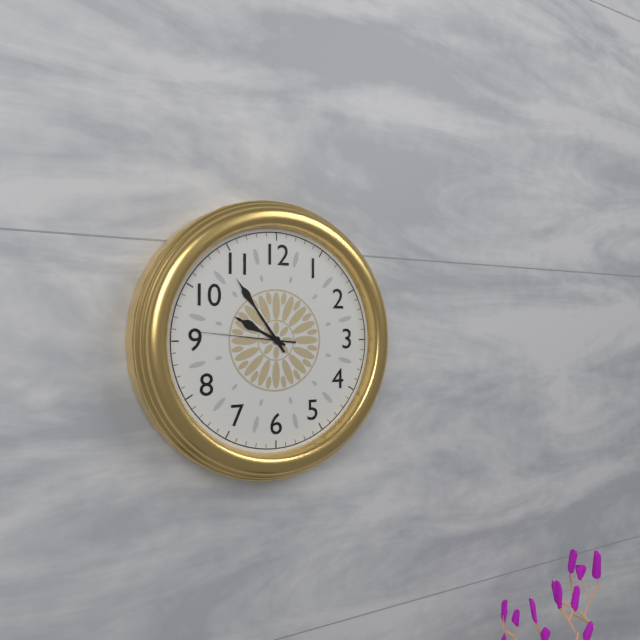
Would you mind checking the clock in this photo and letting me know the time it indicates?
9:54:46
